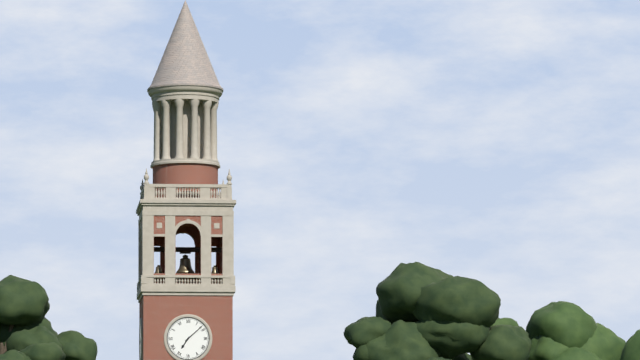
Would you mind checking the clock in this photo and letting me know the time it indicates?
7:08
